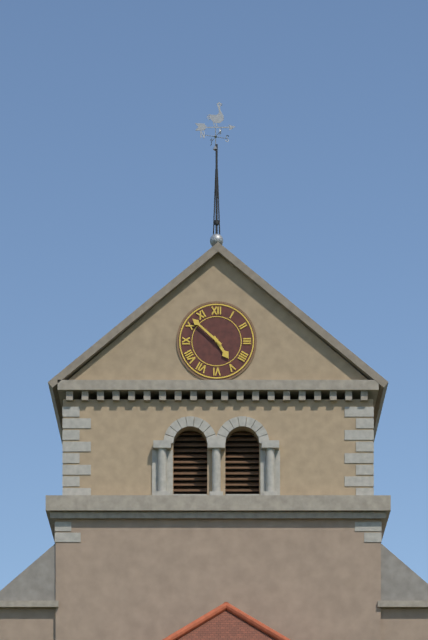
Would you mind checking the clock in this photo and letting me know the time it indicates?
4:52
